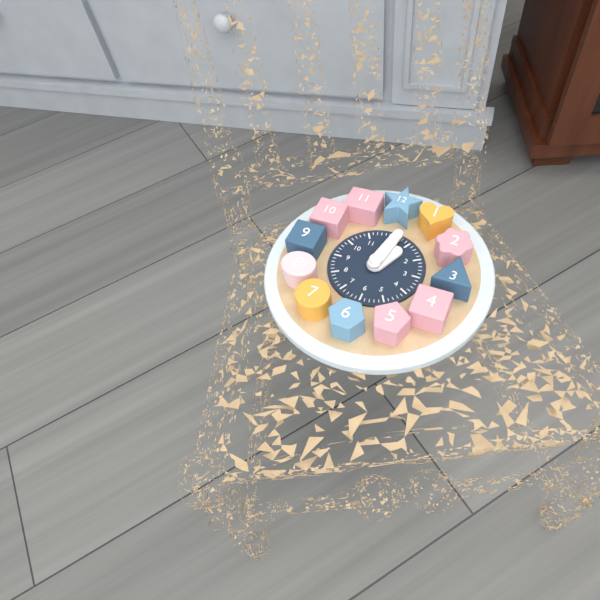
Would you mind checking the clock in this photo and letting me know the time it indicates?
1:02
